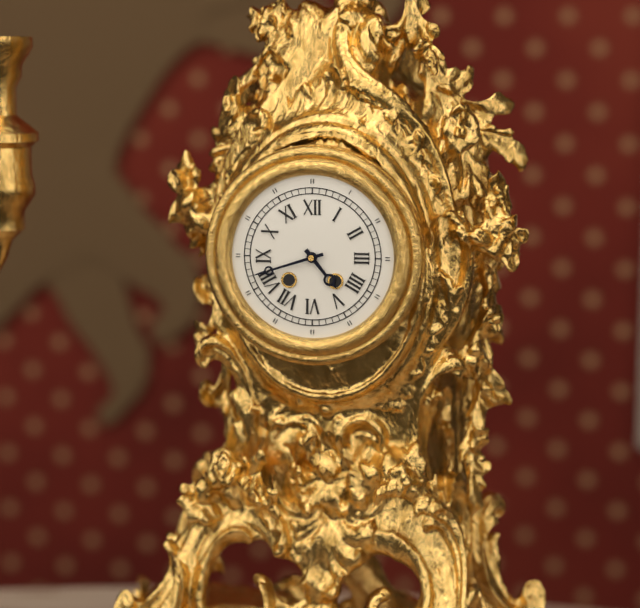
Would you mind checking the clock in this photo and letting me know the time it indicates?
4:42
